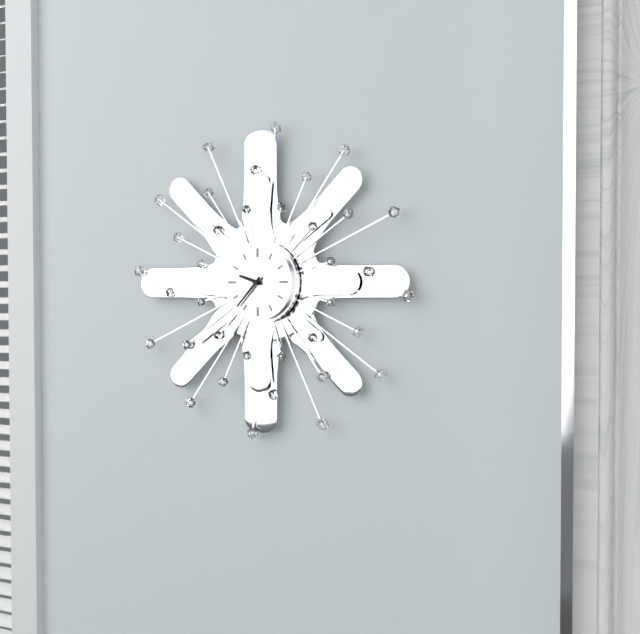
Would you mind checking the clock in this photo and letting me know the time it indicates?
9:37
